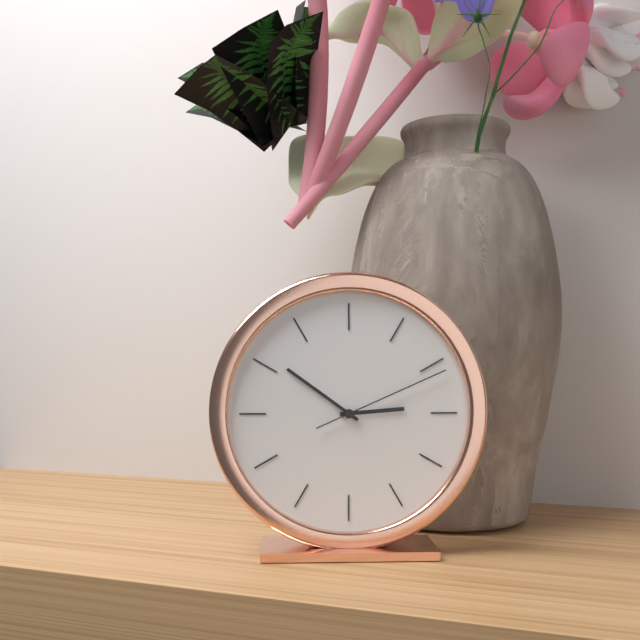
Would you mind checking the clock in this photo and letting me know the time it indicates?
2:51:11
